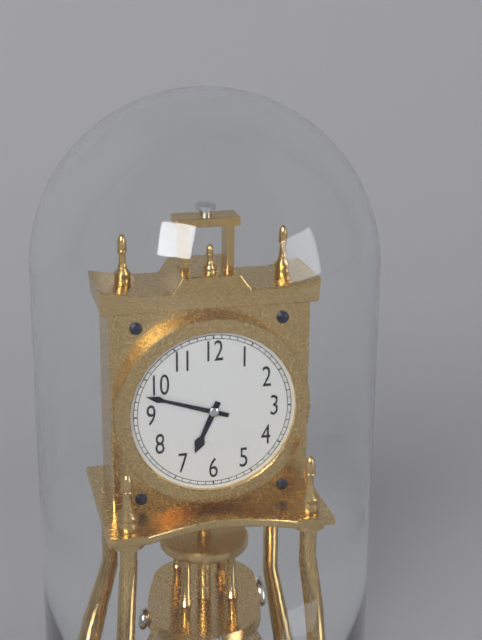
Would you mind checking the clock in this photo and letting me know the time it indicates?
6:48
